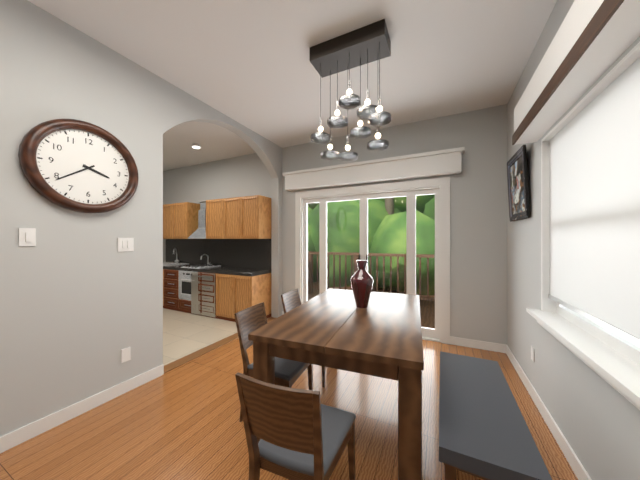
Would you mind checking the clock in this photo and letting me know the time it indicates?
3:39
